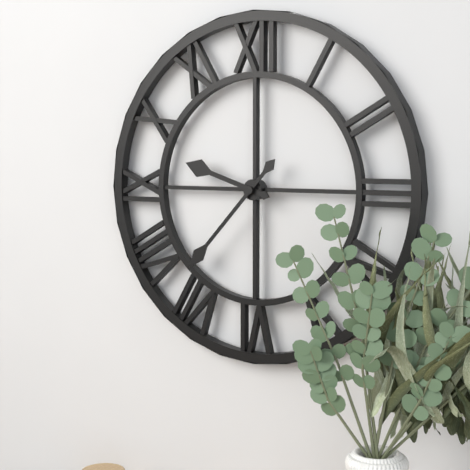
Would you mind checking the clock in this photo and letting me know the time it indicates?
9:37
